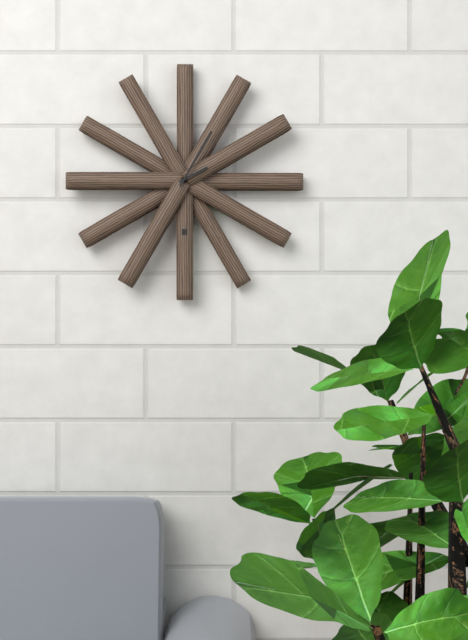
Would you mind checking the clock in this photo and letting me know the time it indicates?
2:05
